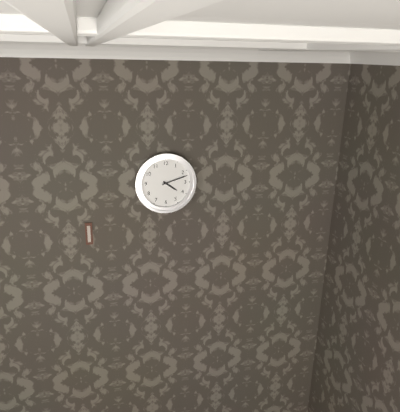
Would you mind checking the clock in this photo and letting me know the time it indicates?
4:12
